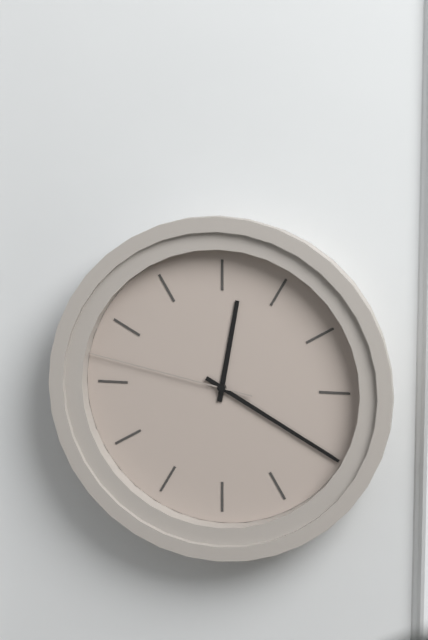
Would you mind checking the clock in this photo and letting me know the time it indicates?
12:20:47
